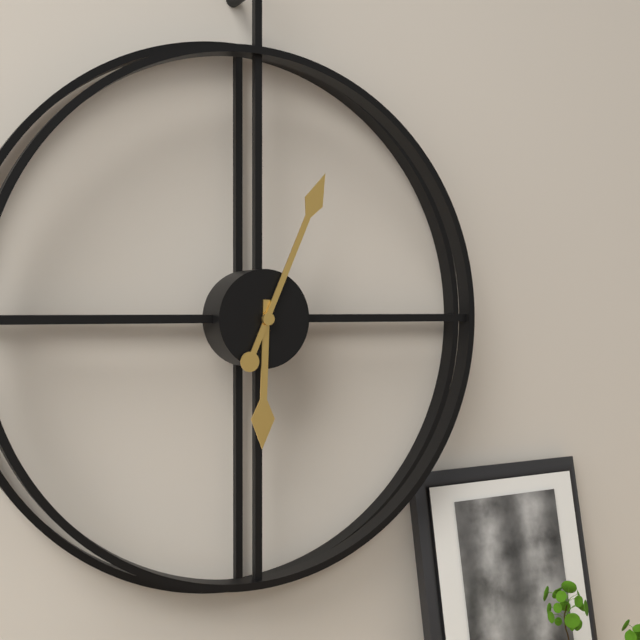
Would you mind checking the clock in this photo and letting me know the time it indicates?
6:04
